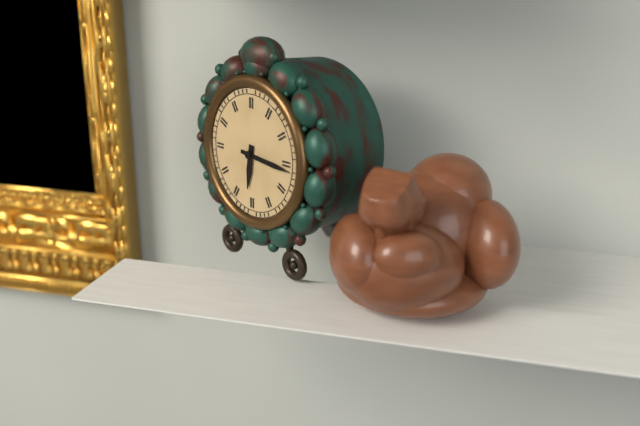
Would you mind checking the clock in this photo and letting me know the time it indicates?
6:16
